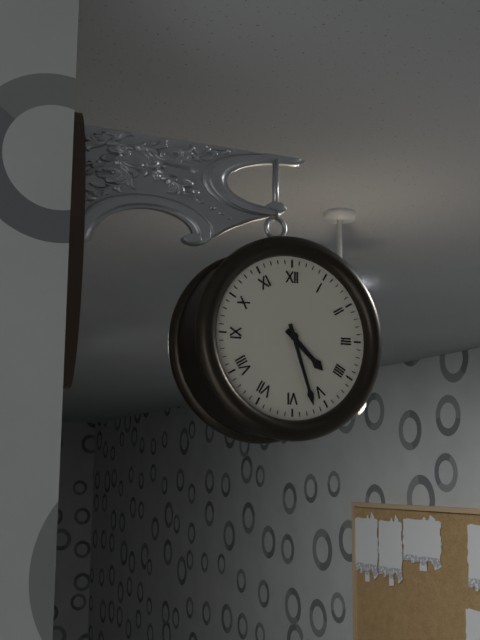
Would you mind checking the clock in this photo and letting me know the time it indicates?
4:27
